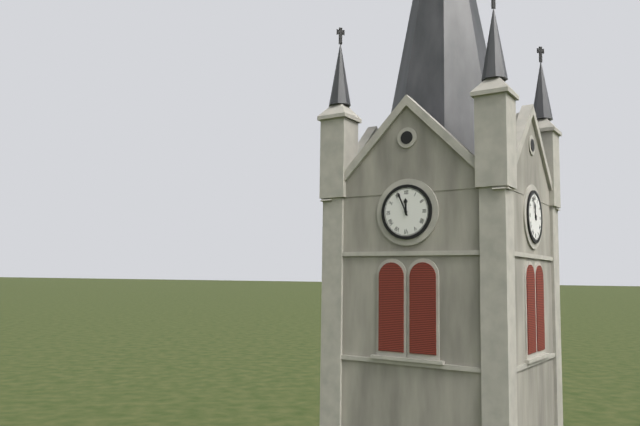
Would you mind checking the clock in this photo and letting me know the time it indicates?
11:56
